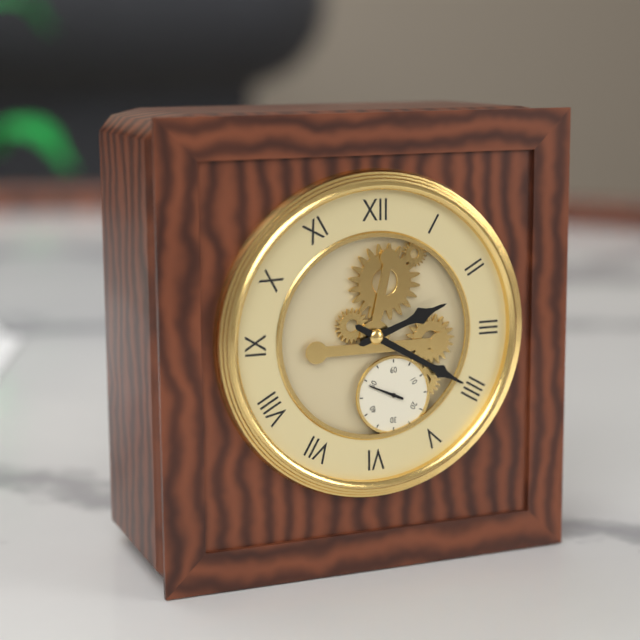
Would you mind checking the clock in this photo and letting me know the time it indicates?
2:20
